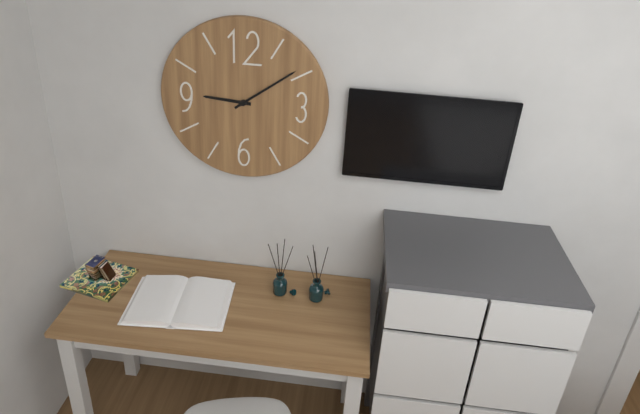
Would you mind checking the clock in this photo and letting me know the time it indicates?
9:09
